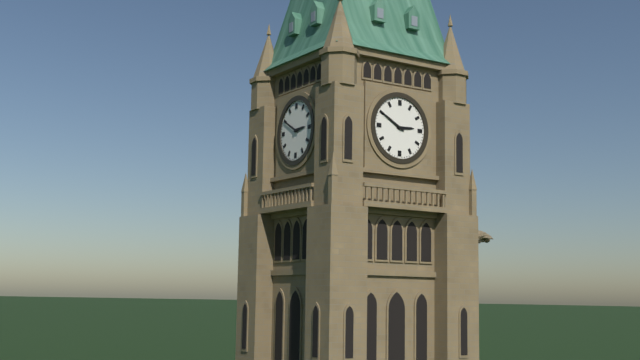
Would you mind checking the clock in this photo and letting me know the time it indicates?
2:50
